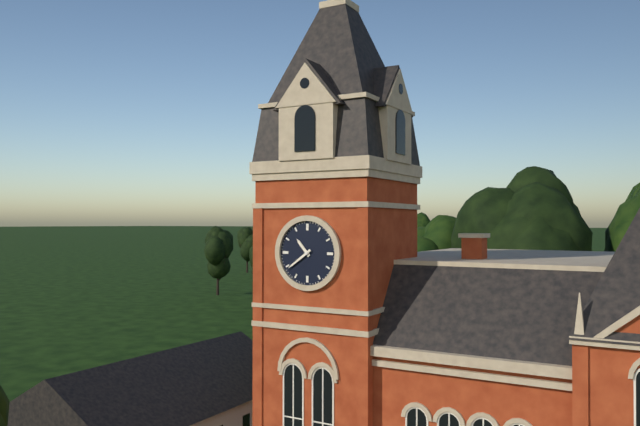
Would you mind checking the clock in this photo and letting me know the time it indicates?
10:39
